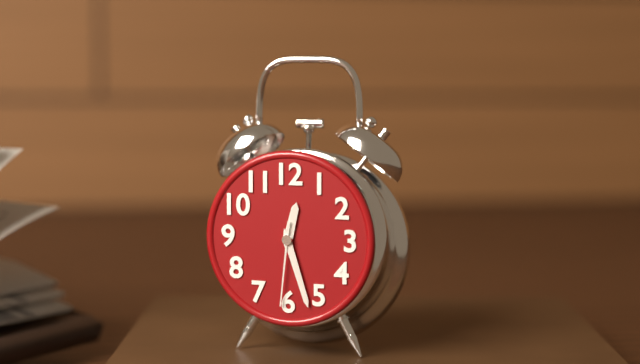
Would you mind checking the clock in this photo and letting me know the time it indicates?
12:27:31
